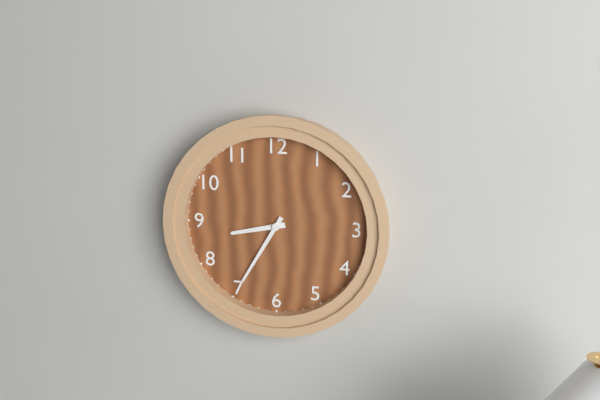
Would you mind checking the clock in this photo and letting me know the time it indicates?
8:35
